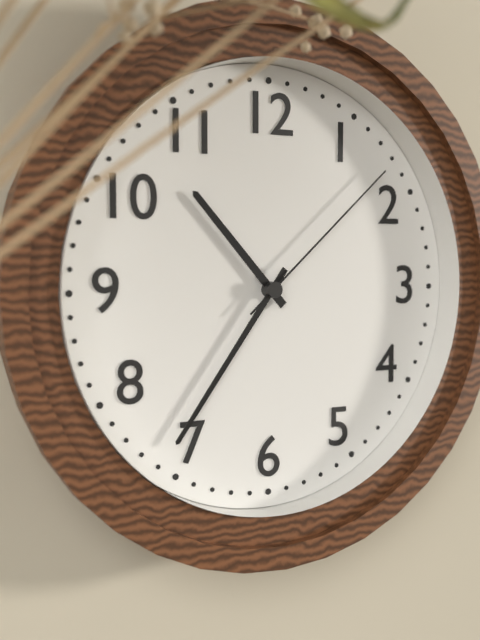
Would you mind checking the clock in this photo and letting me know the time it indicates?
10:36:08
